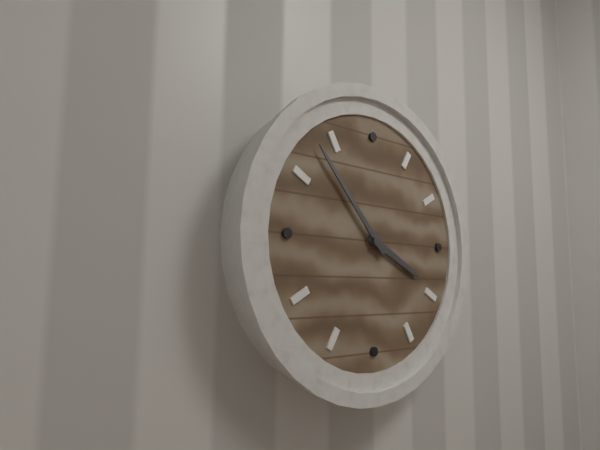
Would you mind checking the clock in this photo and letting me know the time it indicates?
3:53
